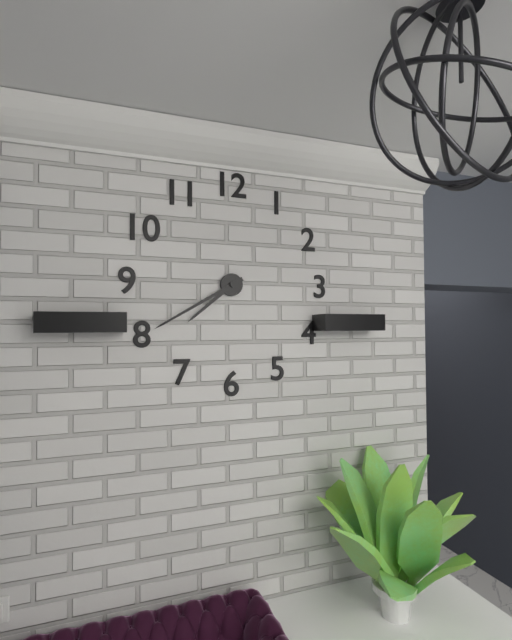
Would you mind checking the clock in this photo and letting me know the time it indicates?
7:40
